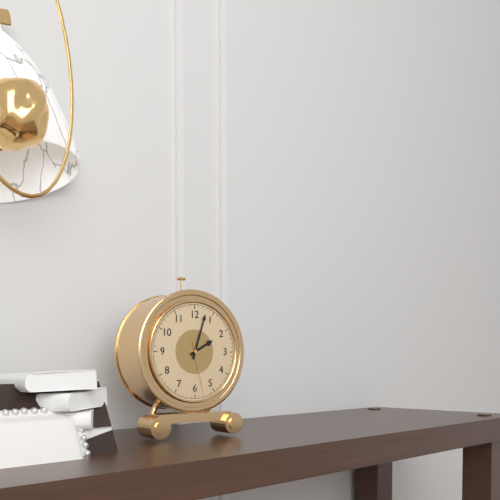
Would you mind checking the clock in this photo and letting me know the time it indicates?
2:03:28
